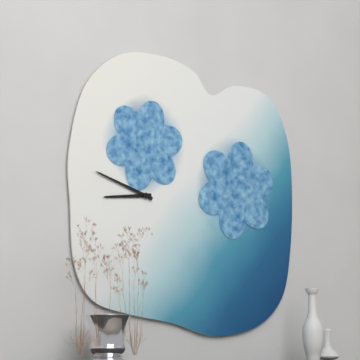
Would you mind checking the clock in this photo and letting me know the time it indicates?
8:48
